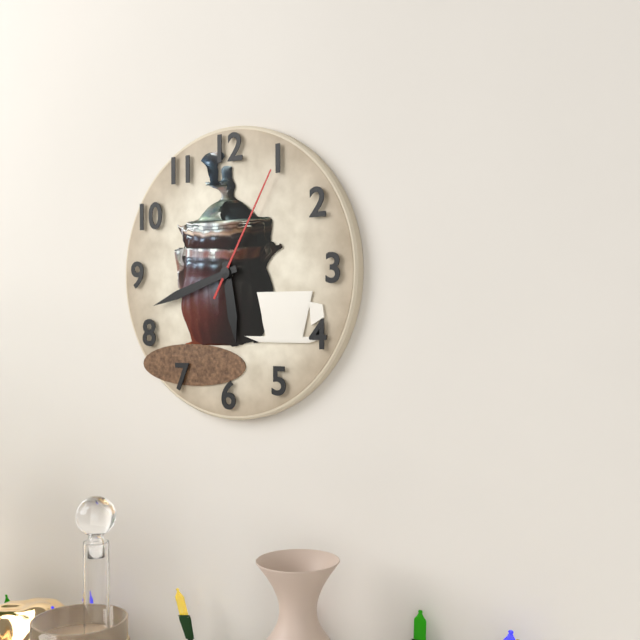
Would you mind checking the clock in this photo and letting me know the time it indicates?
5:42:05
